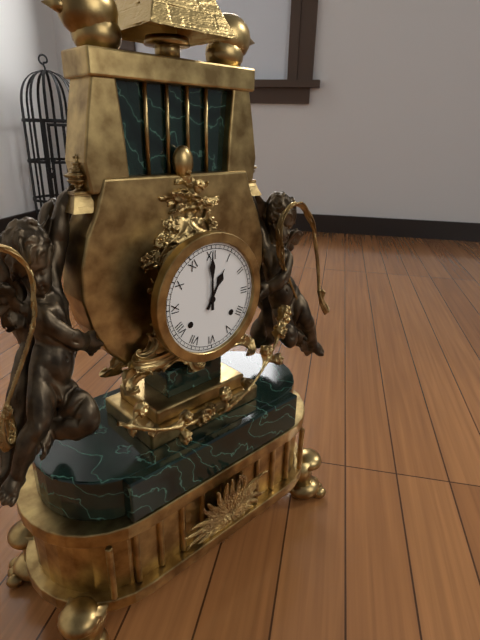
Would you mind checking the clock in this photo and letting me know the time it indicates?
1:00
